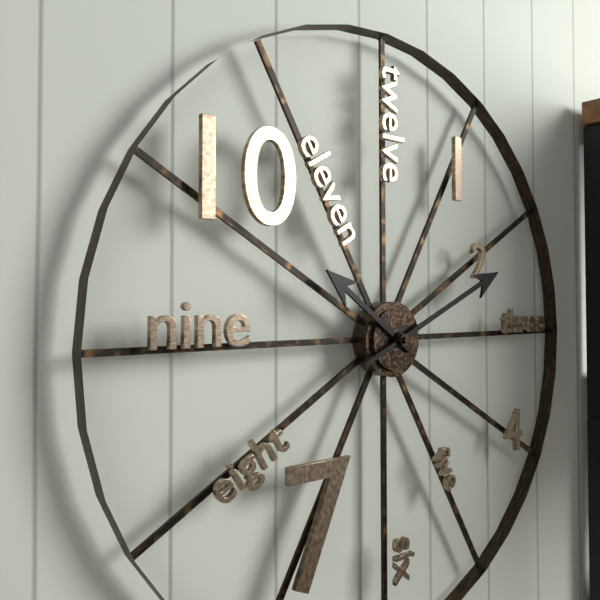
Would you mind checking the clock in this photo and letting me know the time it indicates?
10:11
